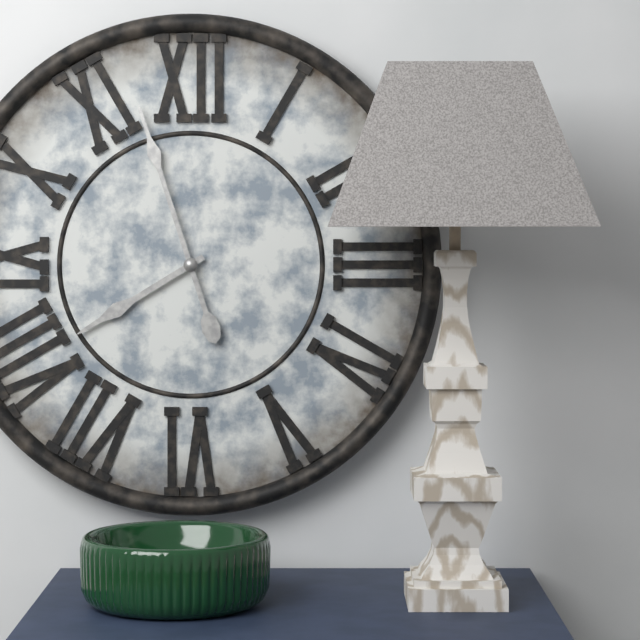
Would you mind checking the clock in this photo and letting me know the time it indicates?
7:57
